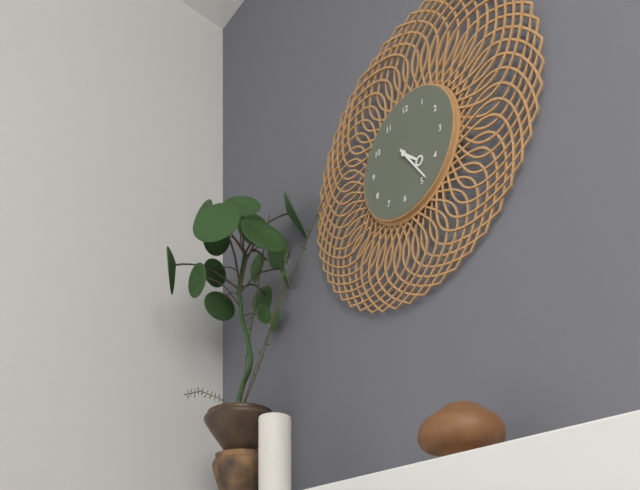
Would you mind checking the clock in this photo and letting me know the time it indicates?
4:24
